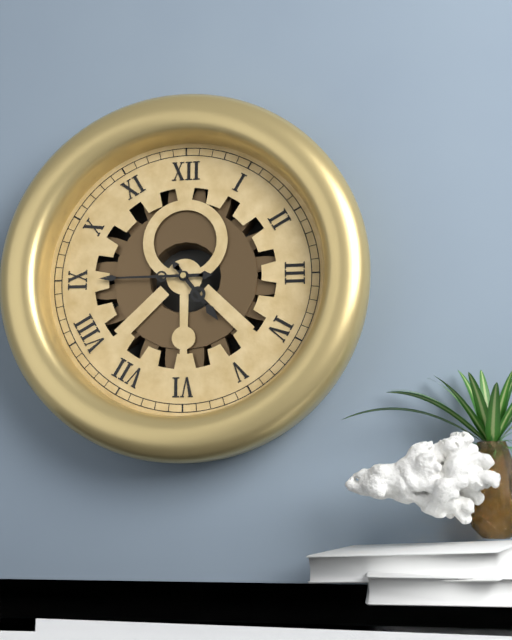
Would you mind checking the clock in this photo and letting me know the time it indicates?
4:45
